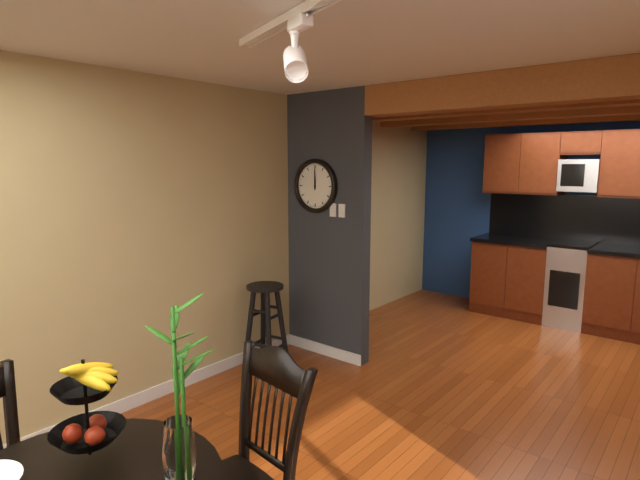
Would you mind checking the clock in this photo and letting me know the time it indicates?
12:00
